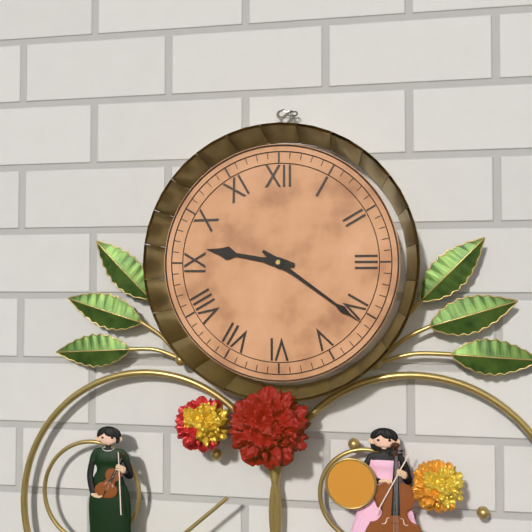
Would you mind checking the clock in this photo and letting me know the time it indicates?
9:21
